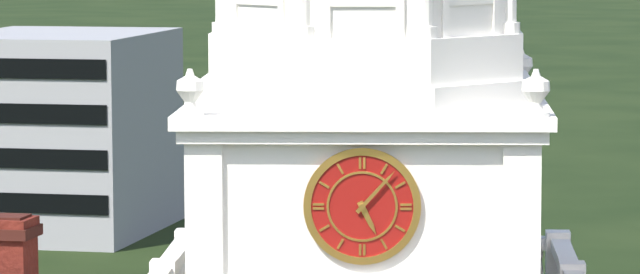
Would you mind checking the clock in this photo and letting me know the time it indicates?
5:07
